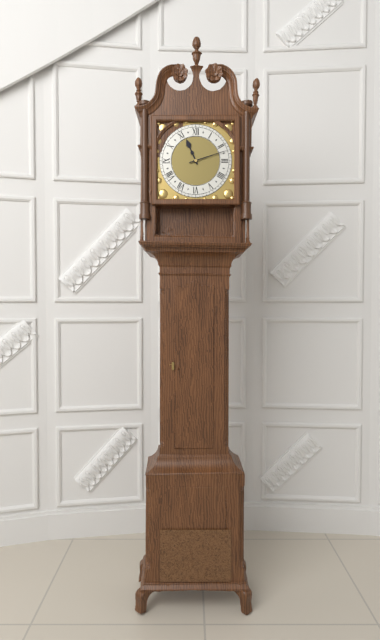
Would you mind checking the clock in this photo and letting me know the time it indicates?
11:12
